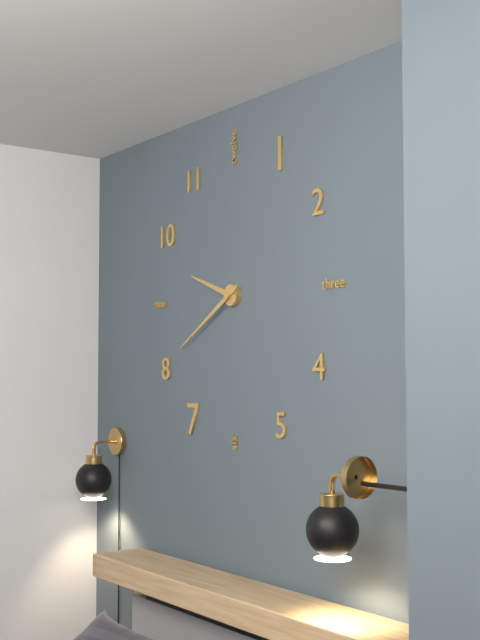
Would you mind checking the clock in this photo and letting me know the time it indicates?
9:40
